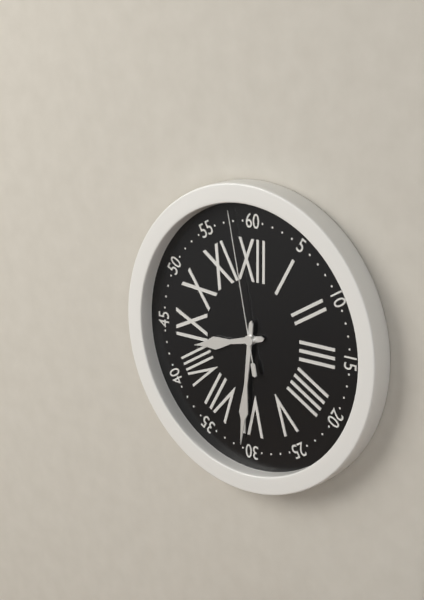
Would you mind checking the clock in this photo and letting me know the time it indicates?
8:31:58
